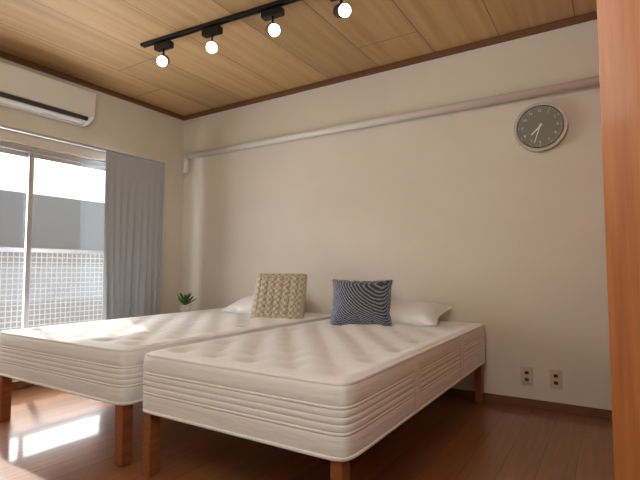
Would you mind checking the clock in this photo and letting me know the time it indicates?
7:33
